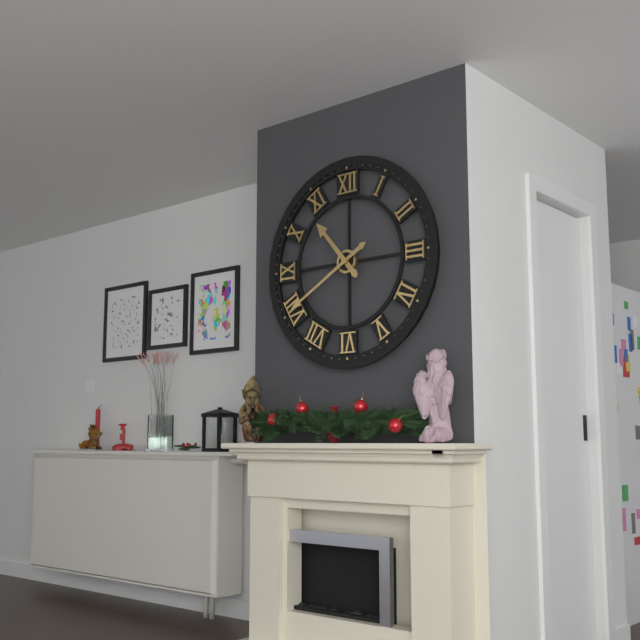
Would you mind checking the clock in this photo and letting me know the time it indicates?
10:40
